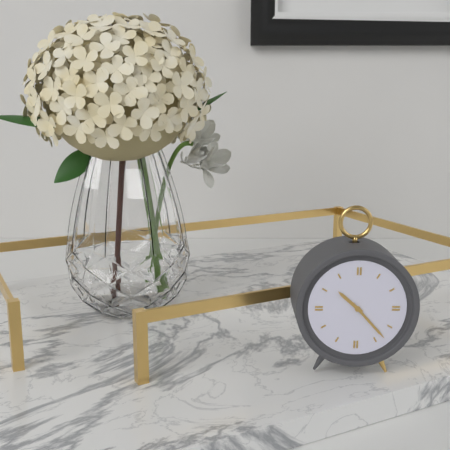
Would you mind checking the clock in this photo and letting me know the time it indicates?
10:23
